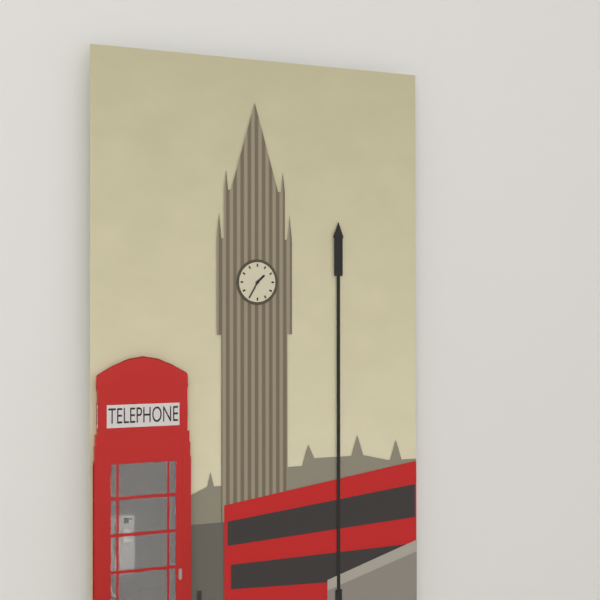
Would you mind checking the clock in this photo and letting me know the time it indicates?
1:35
